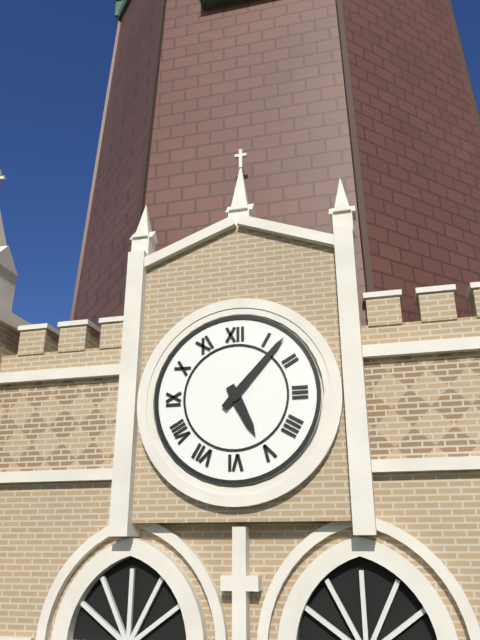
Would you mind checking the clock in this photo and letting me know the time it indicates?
5:07
